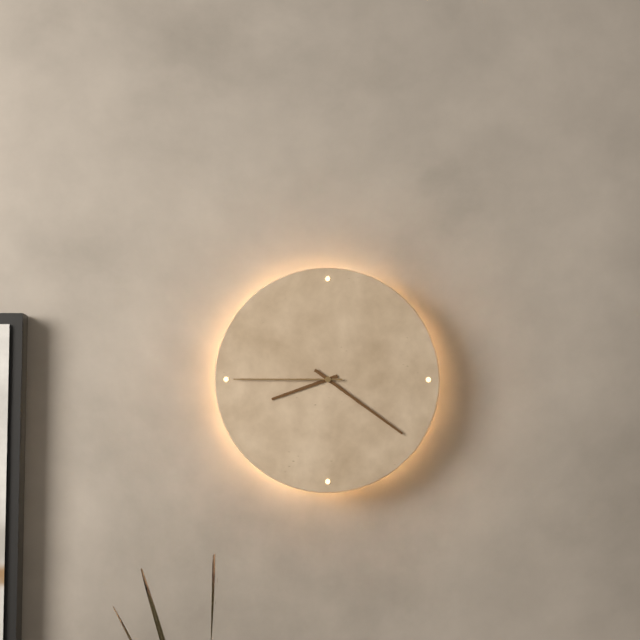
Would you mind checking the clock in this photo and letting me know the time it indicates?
8:21:45
